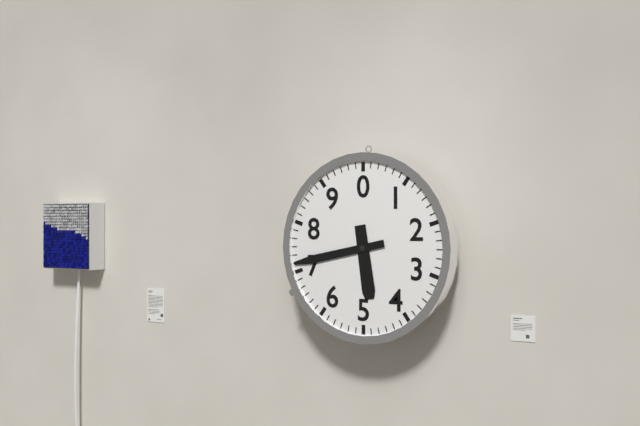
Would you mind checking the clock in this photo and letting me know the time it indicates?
5:43
